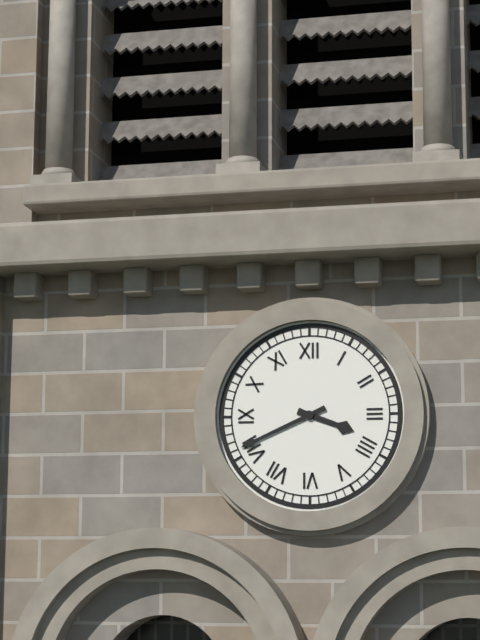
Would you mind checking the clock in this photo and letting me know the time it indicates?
3:41
